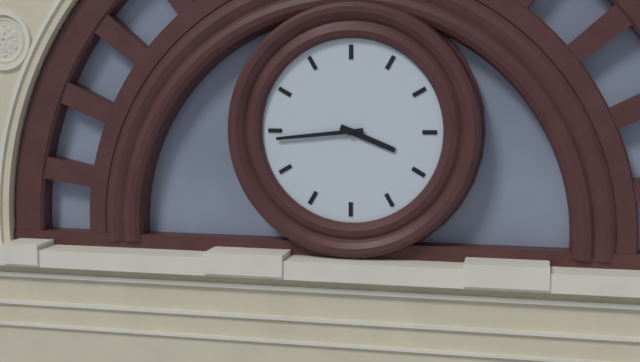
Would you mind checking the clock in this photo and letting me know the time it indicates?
3:44
